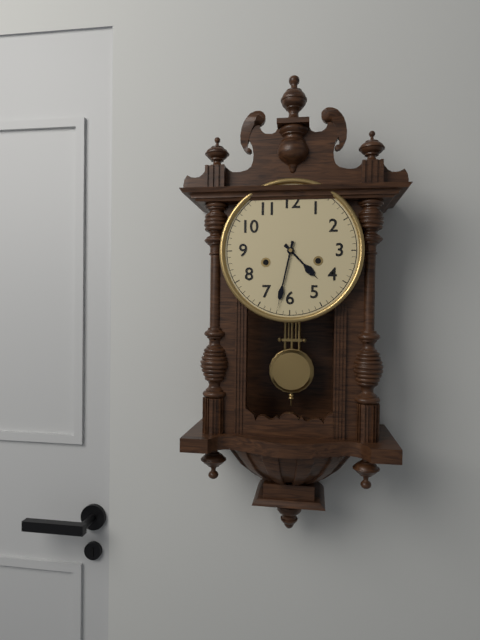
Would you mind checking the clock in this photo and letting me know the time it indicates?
4:32
